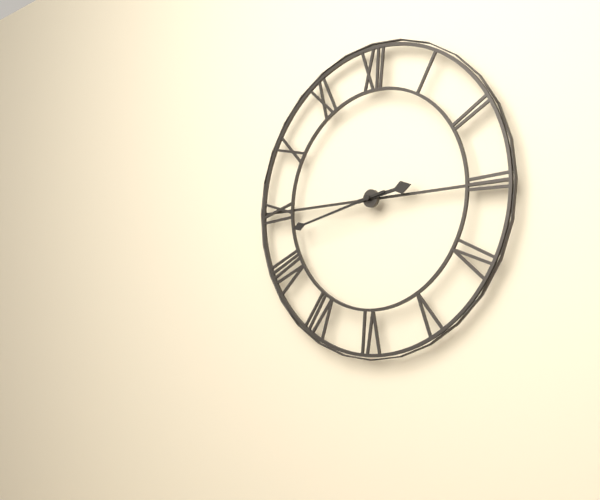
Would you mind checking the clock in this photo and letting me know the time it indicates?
2:43
